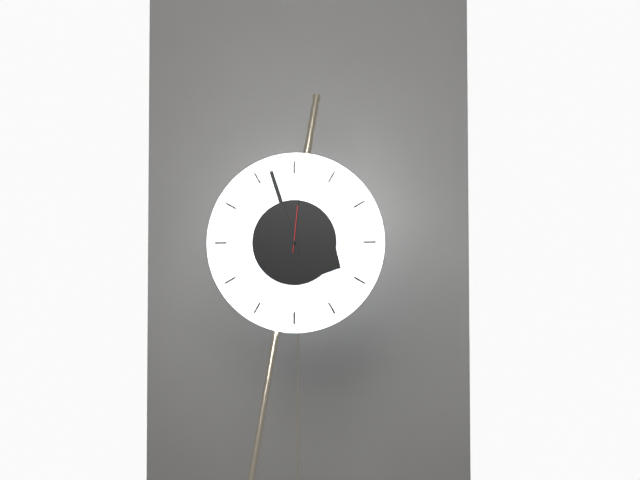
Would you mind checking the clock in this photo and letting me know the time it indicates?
3:57:01
